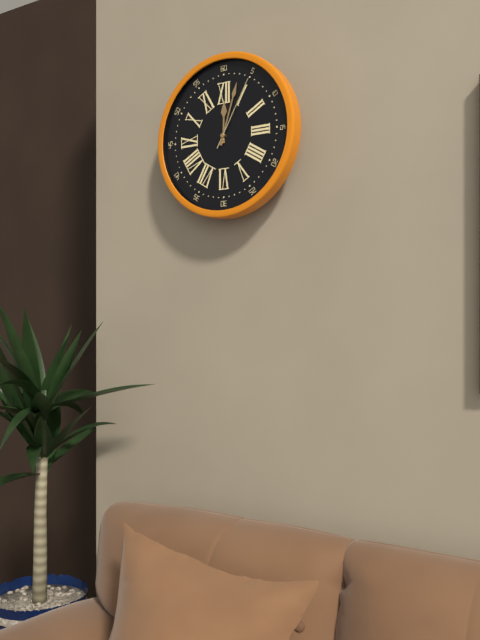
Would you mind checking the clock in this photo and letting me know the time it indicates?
12:03:05
